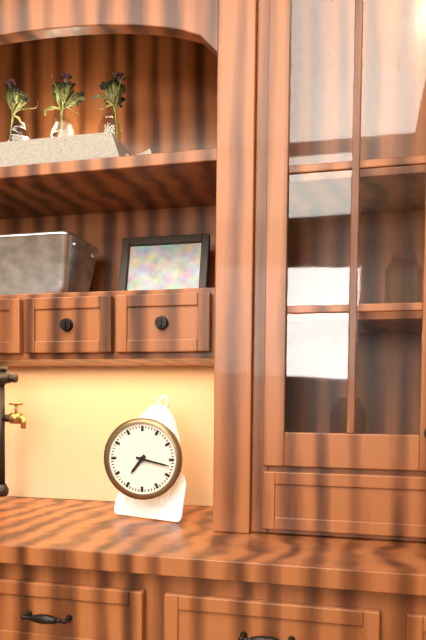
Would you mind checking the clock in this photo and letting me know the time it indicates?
7:17
